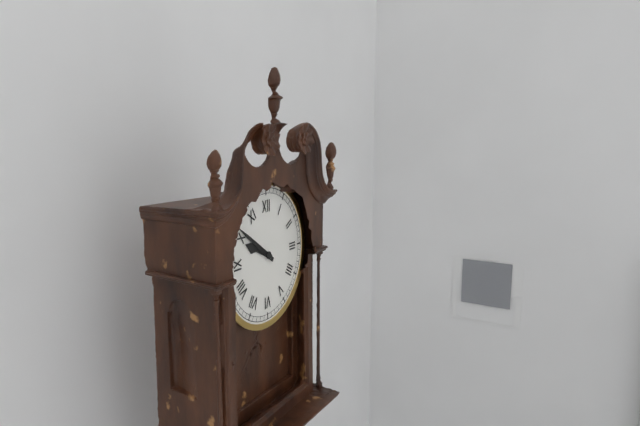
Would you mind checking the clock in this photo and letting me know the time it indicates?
9:51
